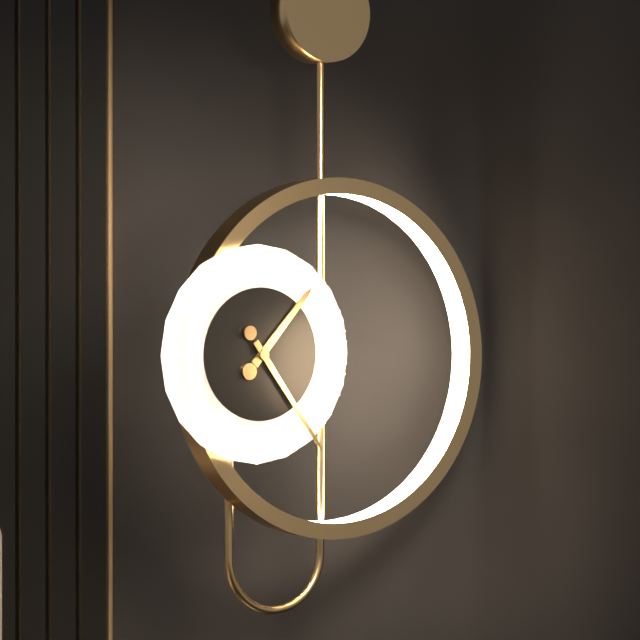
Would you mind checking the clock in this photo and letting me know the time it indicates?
1:24
